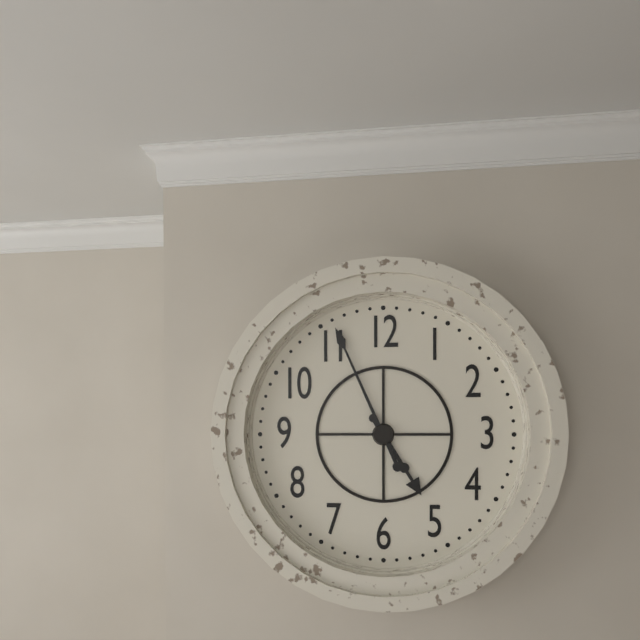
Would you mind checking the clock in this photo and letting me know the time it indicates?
4:56
